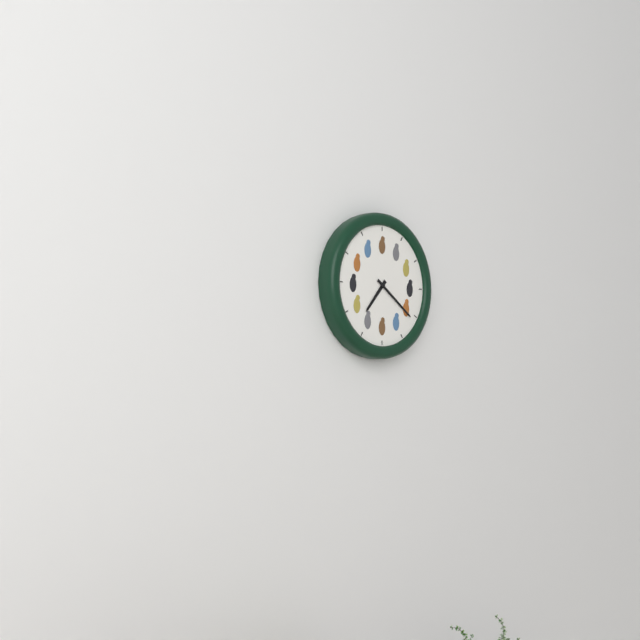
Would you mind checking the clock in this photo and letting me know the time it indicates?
7:21
